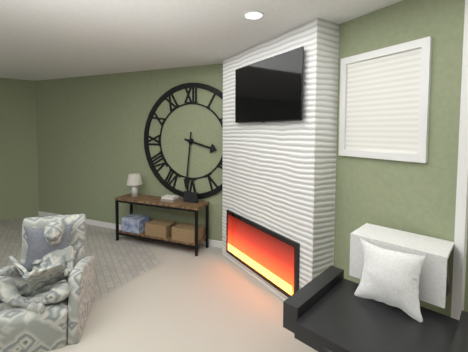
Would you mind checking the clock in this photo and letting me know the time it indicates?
3:31
